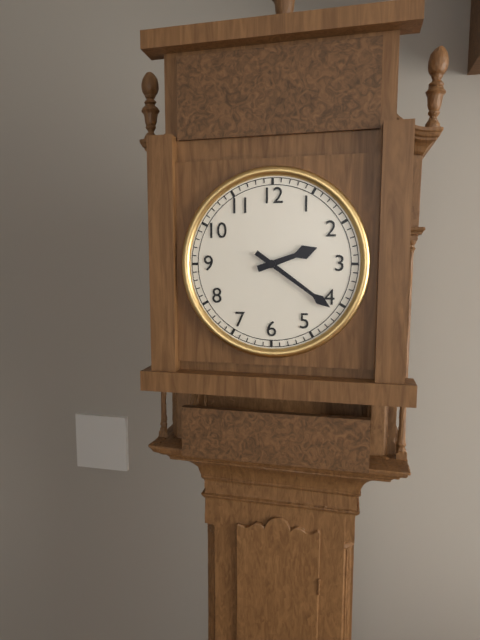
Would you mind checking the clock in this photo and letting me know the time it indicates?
2:21
